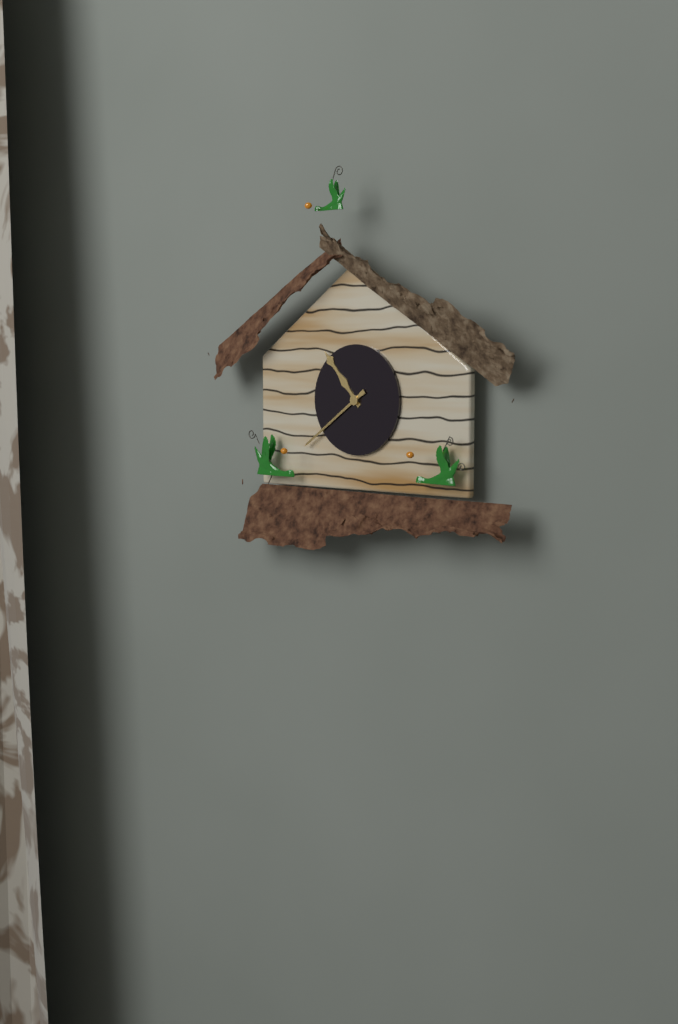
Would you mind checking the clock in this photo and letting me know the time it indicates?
10:39
